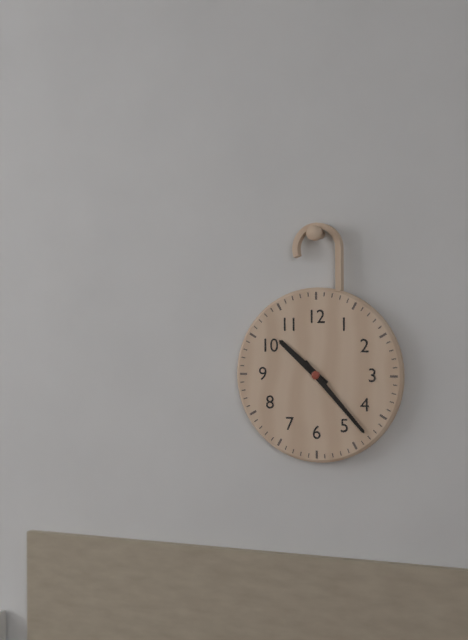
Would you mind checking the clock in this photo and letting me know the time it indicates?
10:23
